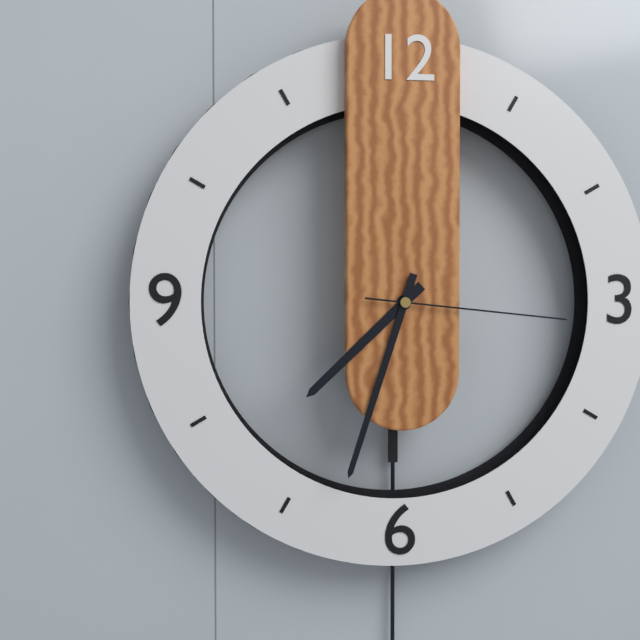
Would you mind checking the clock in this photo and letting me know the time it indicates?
7:33:16
